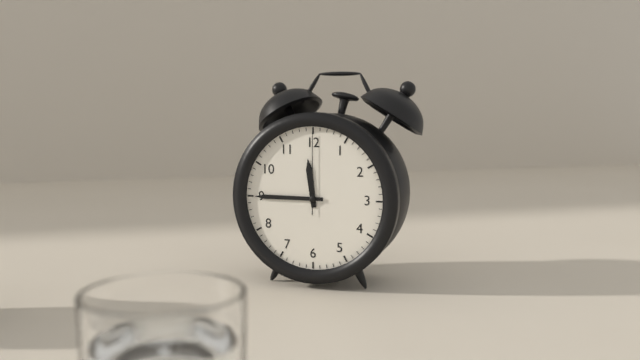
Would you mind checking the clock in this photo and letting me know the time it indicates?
11:45:00
